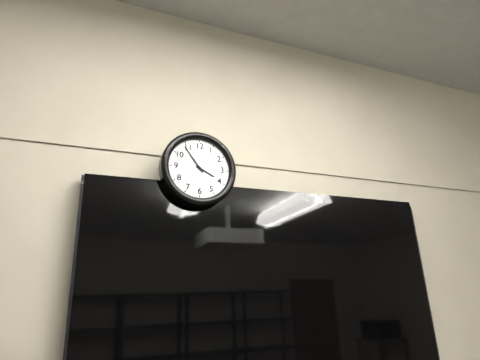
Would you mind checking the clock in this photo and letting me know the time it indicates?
3:54
